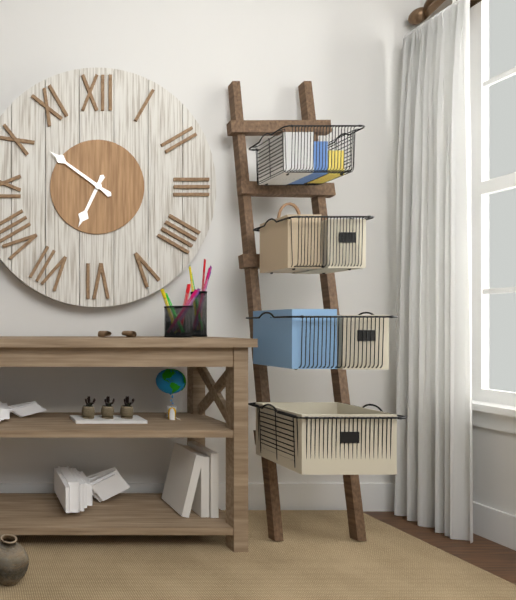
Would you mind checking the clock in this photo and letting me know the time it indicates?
6:51
